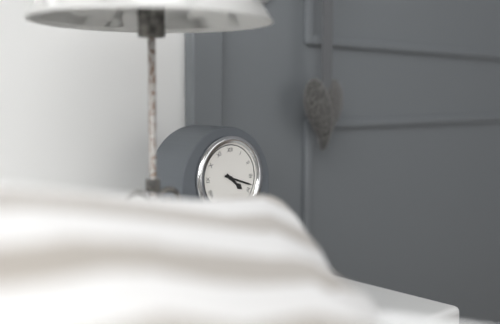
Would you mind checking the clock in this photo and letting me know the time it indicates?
4:18
